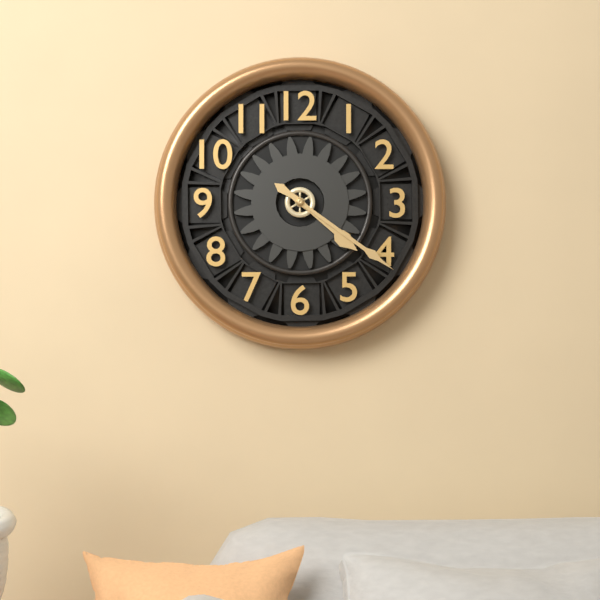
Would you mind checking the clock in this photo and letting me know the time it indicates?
4:21
